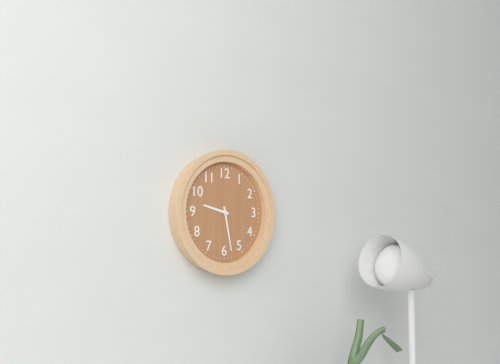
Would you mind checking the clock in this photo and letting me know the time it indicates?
9:28
